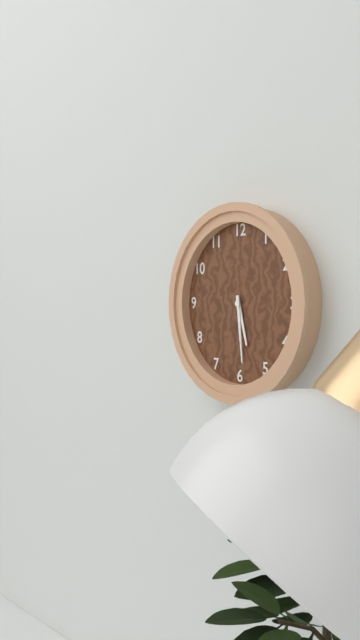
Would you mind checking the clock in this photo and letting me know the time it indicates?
5:29
